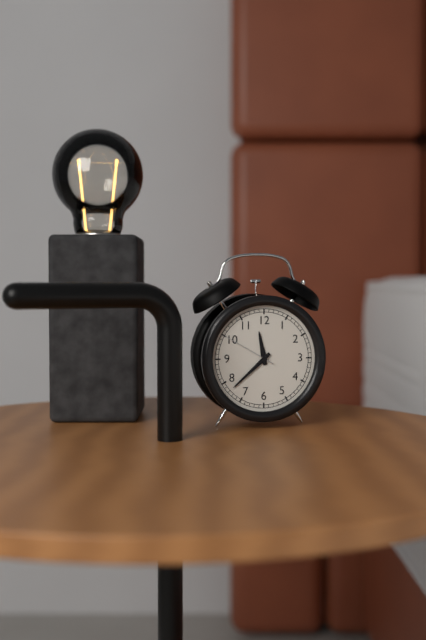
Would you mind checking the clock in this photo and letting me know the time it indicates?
11:38:50
